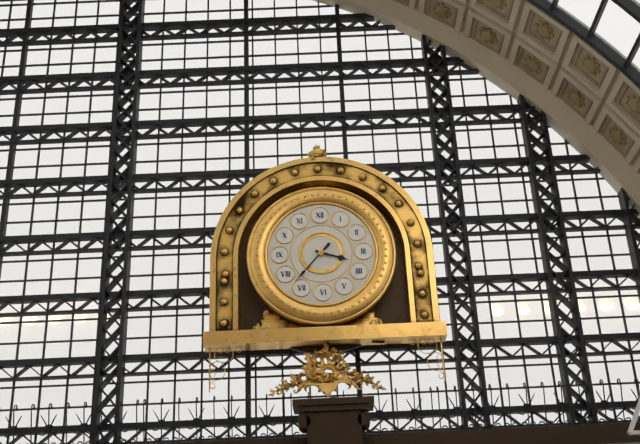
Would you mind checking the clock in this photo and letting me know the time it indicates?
3:37
